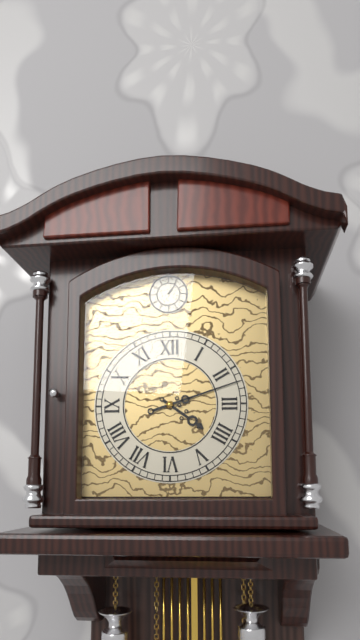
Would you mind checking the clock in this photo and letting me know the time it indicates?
4:12
